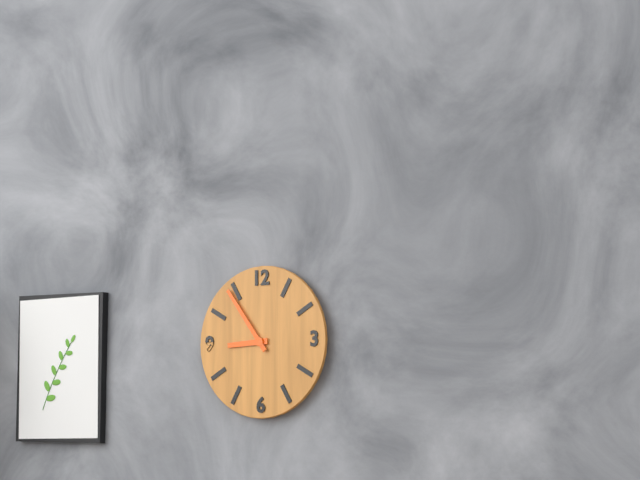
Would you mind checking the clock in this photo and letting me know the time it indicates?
8:54
